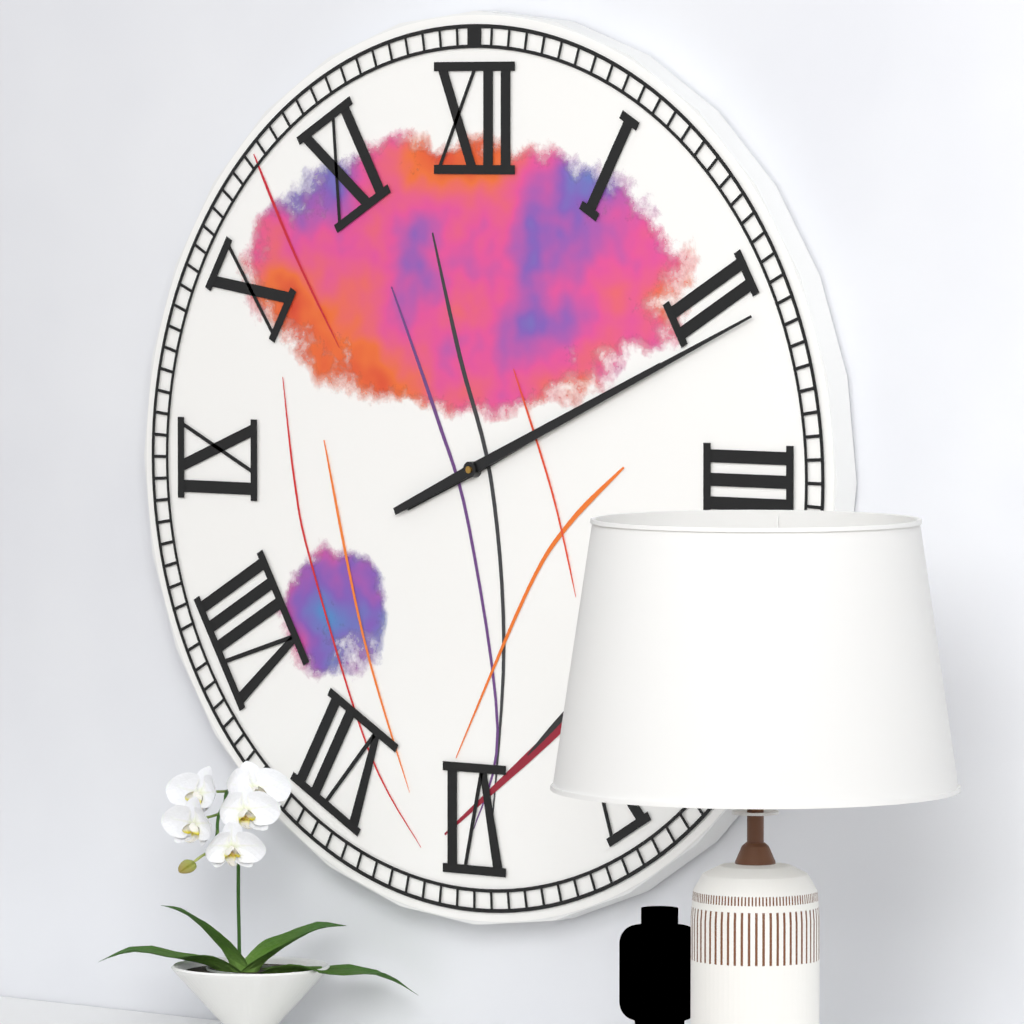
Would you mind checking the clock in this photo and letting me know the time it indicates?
2:11
